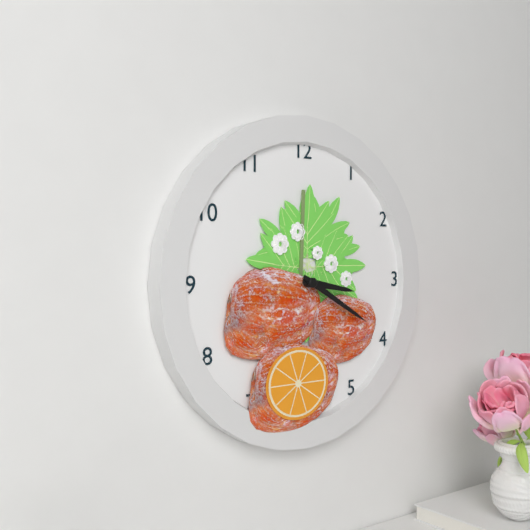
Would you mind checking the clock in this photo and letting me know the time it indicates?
3:20
